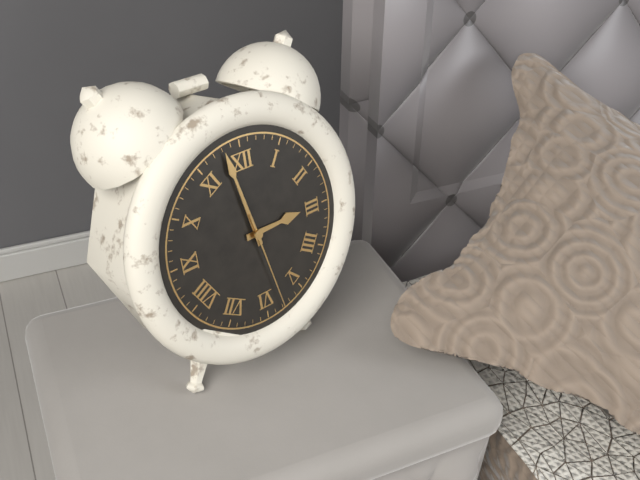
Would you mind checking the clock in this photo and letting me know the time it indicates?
2:58:28
